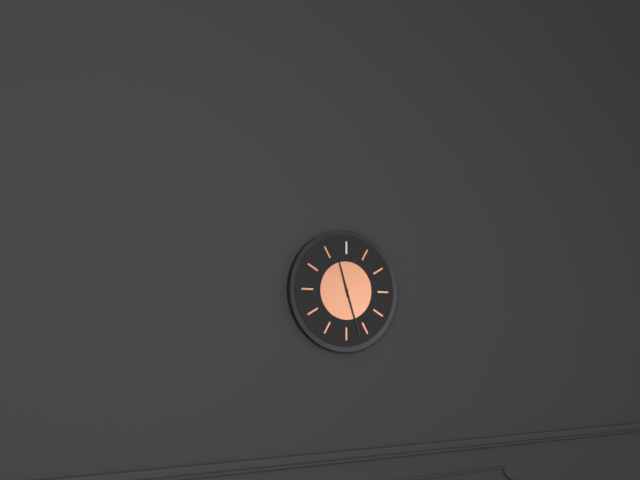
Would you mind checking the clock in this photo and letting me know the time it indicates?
11:27
